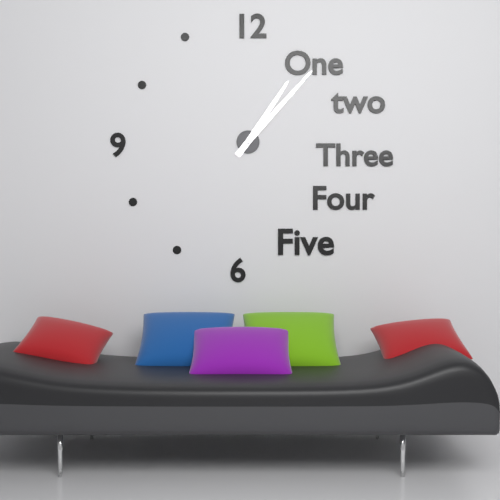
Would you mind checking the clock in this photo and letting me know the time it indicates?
1:07
